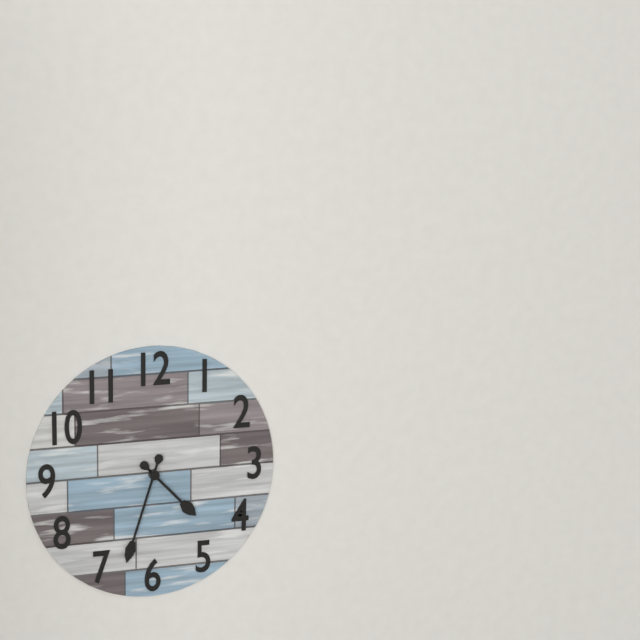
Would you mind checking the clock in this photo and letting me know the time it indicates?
4:33
